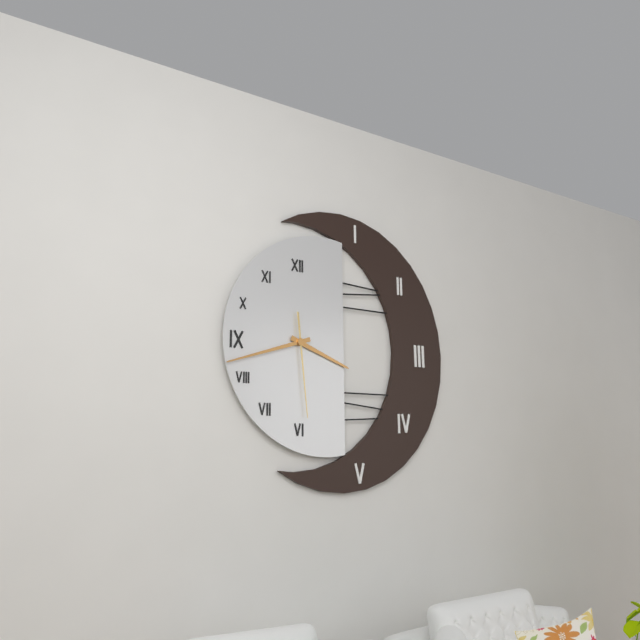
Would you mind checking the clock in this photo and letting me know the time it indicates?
3:42:29
